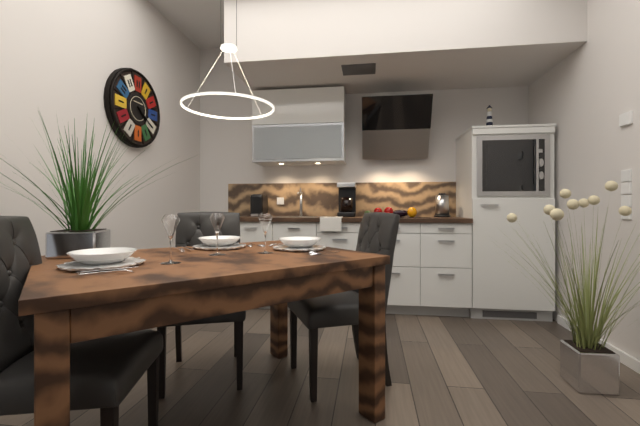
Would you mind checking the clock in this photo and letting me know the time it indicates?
4:21
